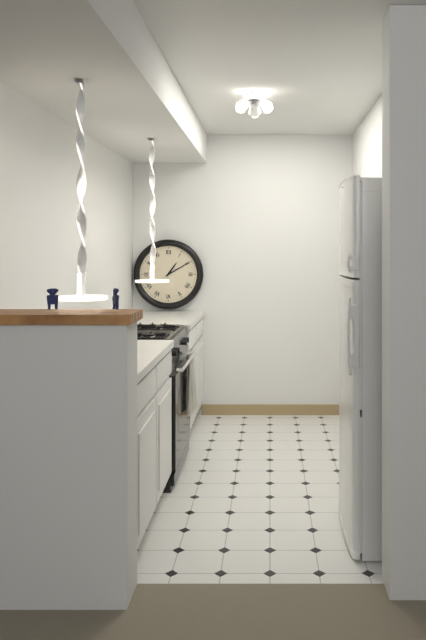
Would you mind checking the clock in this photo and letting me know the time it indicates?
1:10
